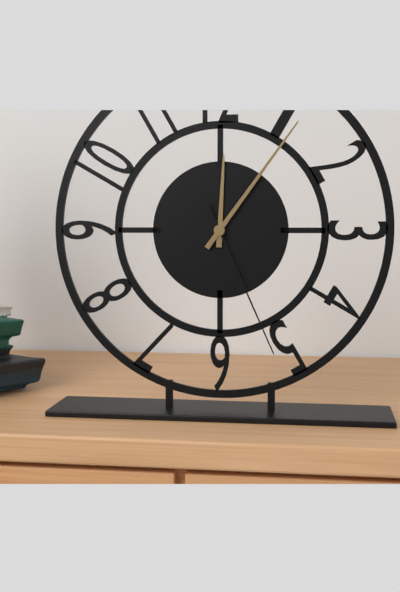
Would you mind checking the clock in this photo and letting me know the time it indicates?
12:06:26
